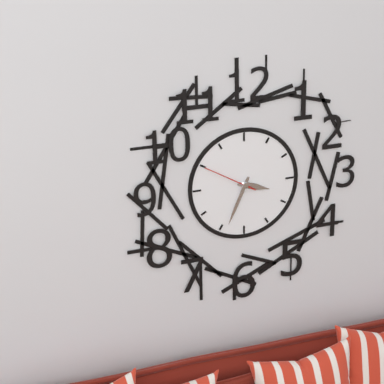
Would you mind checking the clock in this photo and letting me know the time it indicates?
3:34:50
